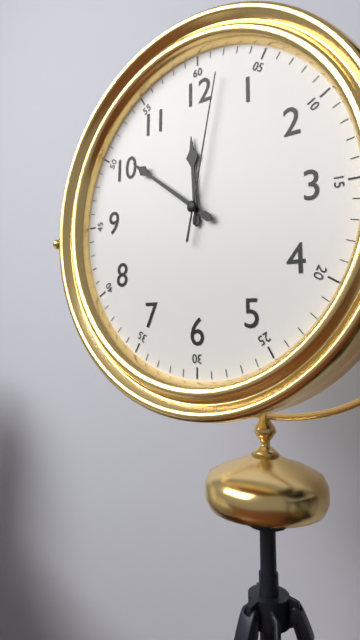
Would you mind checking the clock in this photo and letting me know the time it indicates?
11:51:02
